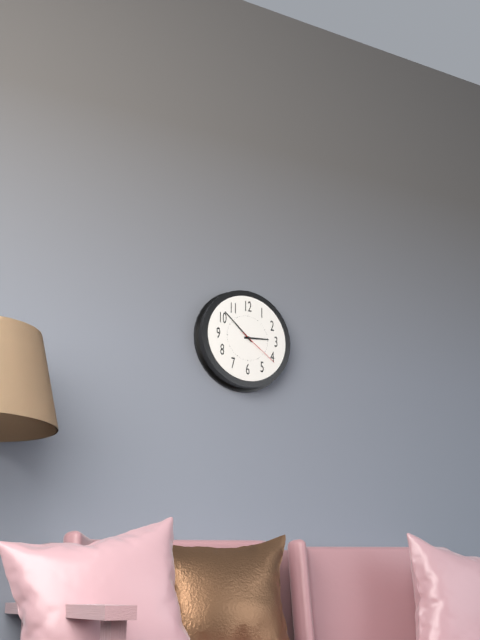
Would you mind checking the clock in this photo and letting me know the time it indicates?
2:52
